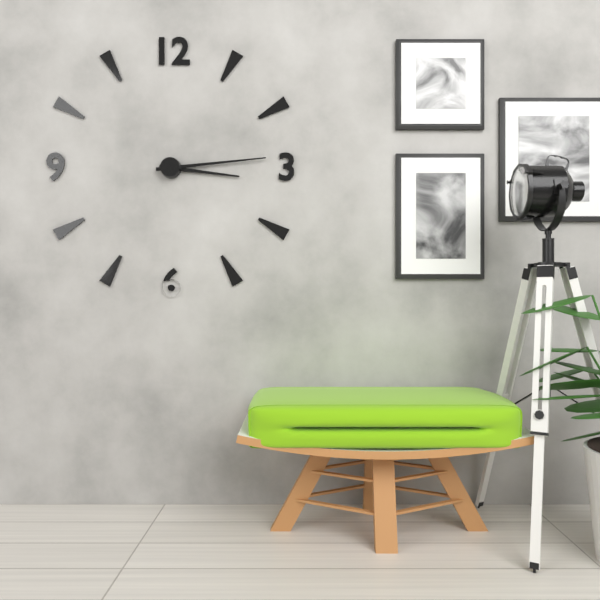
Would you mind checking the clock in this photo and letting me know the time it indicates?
3:14
